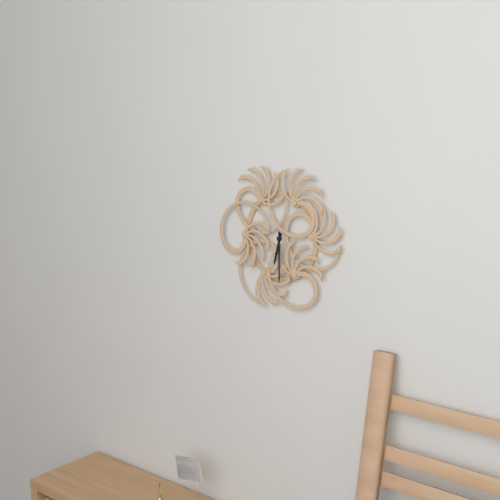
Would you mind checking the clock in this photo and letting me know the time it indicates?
6:30
